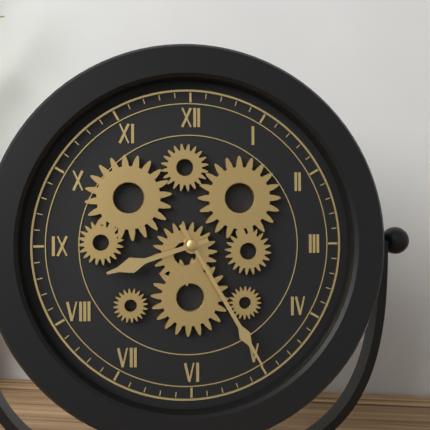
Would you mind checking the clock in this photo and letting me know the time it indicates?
8:25
